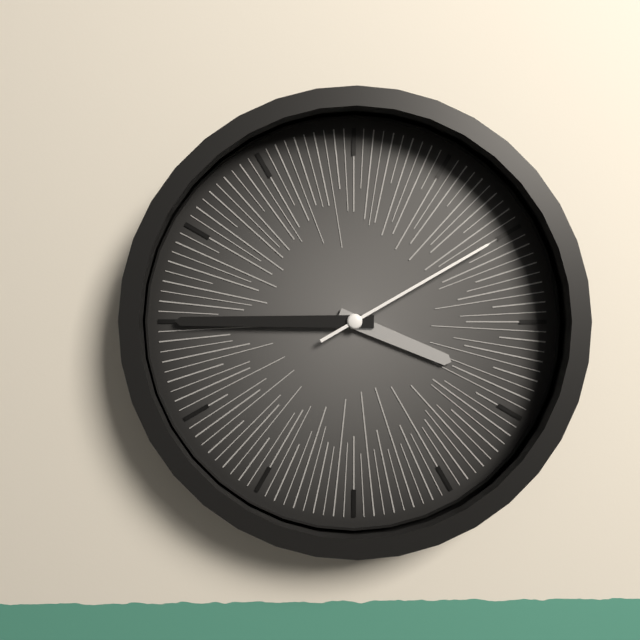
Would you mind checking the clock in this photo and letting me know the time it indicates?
3:45:10
